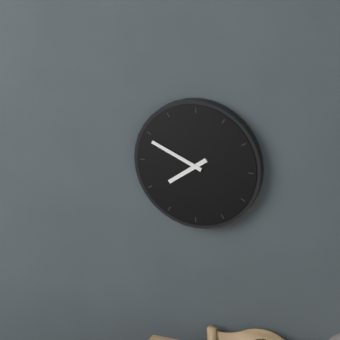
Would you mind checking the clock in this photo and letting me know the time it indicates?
7:49
